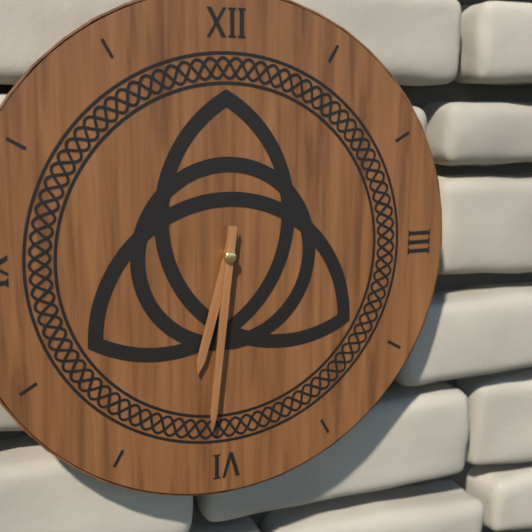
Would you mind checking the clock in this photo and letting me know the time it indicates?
6:31
